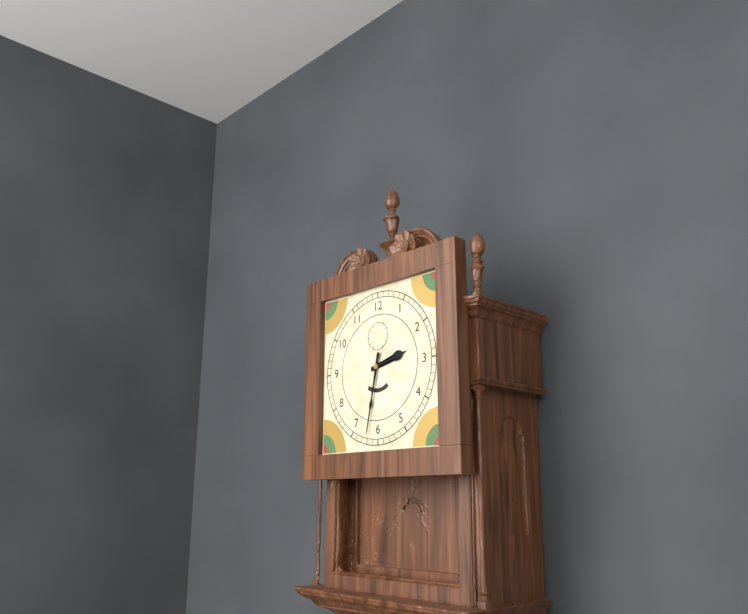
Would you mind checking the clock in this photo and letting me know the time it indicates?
2:32
